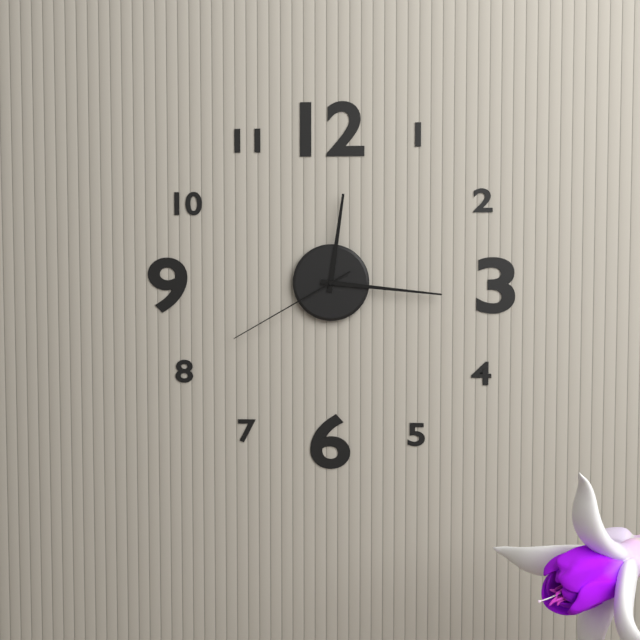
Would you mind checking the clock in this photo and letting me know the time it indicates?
12:16:40
